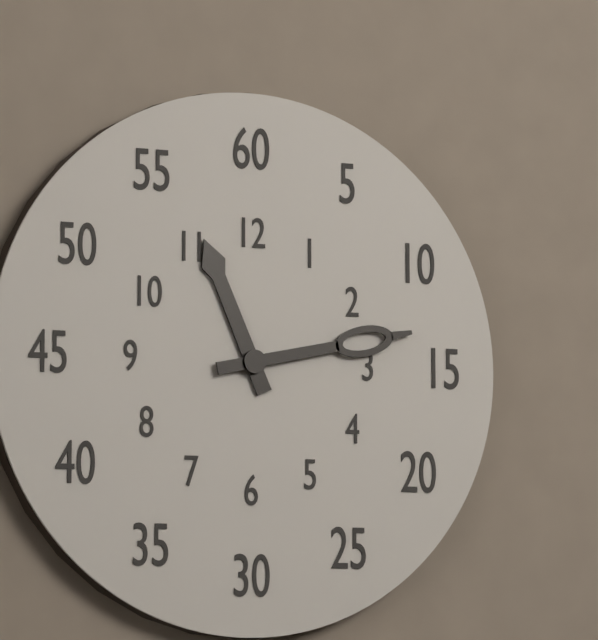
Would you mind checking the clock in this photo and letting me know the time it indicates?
11:13
